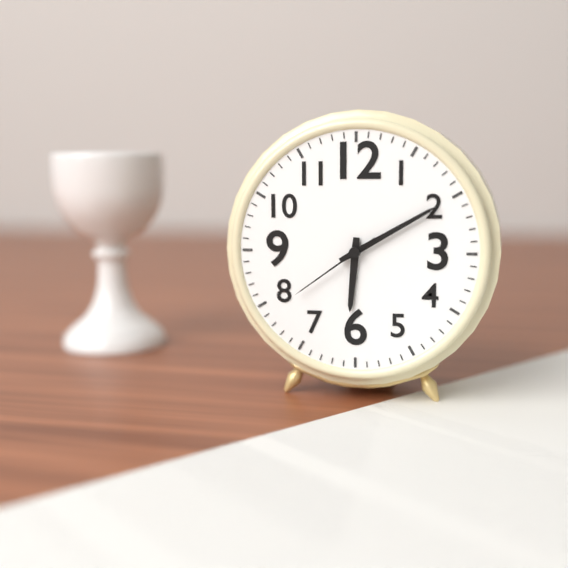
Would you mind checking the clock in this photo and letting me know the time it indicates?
6:10:39
